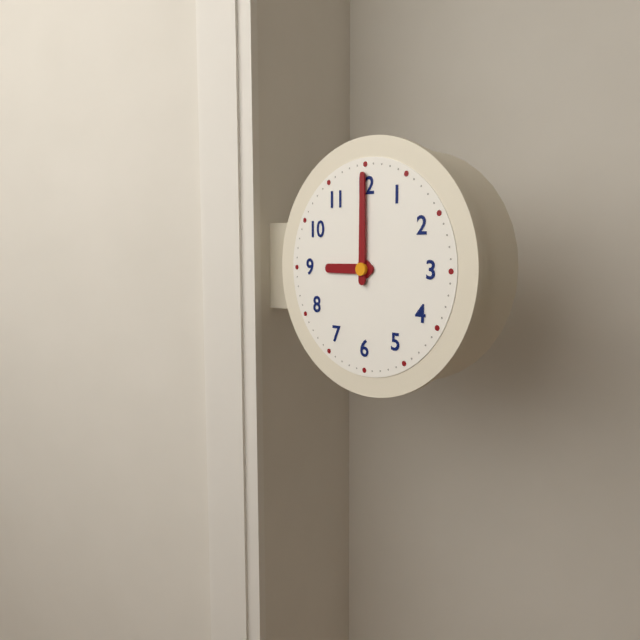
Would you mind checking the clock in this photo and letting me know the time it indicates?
9:00
